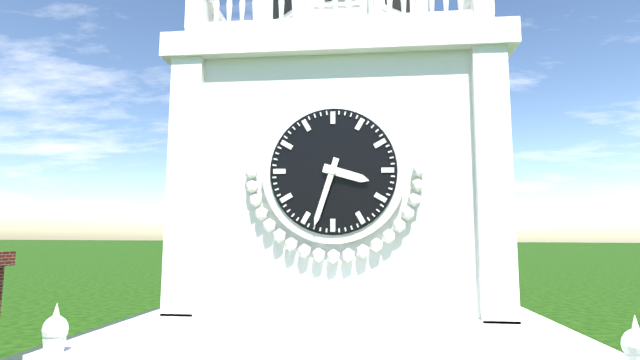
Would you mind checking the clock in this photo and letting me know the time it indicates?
3:33
